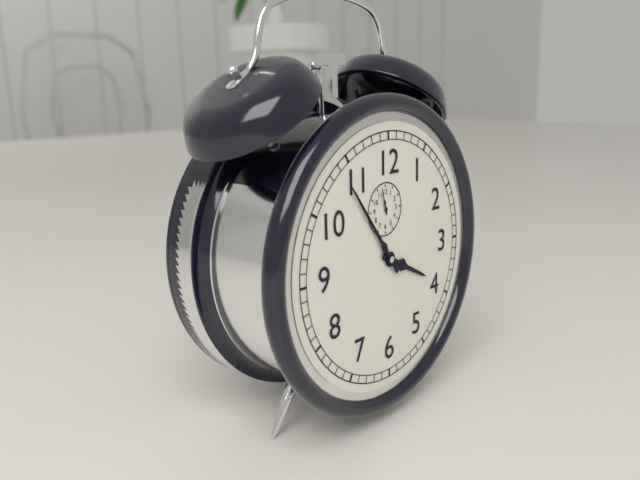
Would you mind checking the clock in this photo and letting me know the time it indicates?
3:54
